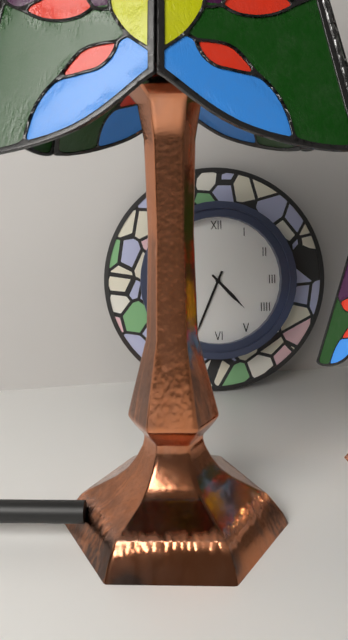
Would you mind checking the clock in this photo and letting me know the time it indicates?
4:34
